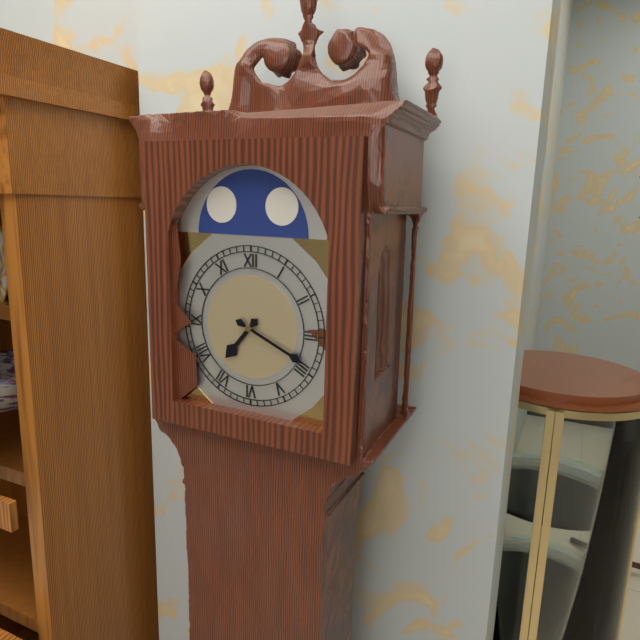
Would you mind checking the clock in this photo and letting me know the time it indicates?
7:19
